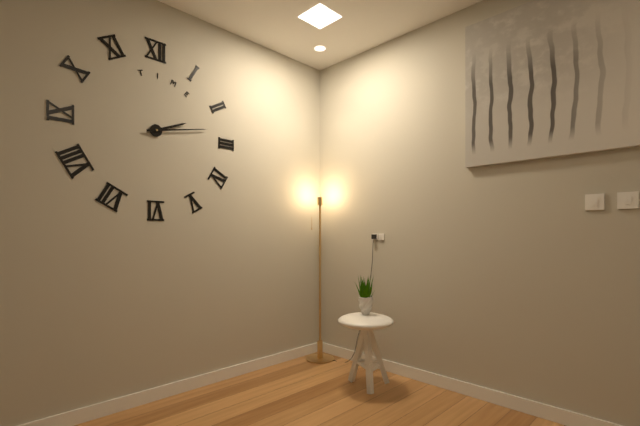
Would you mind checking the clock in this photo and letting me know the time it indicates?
2:13
